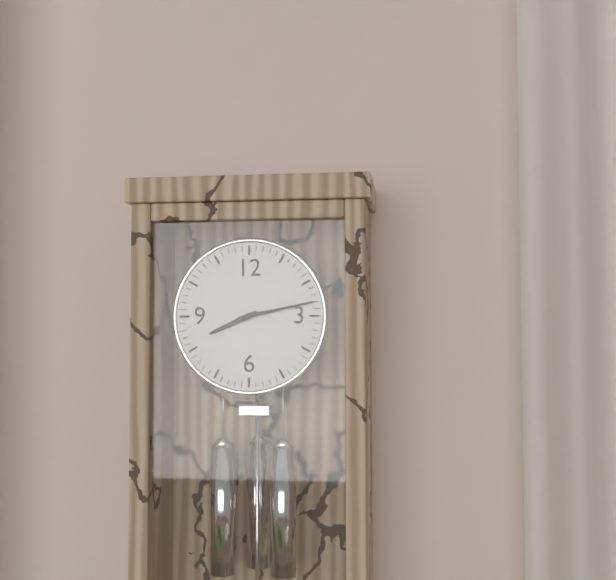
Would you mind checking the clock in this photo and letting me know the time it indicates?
8:13
